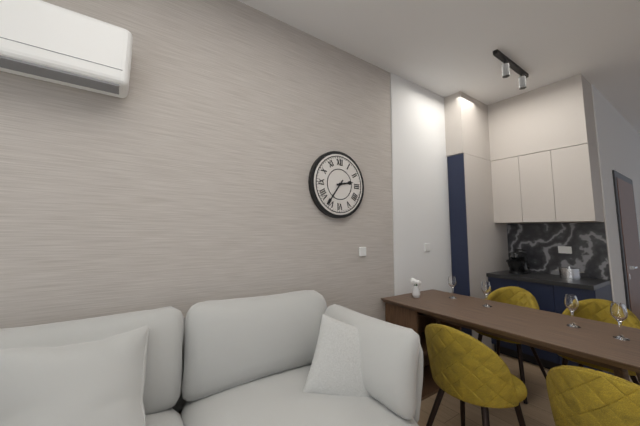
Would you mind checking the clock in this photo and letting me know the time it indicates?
2:36
